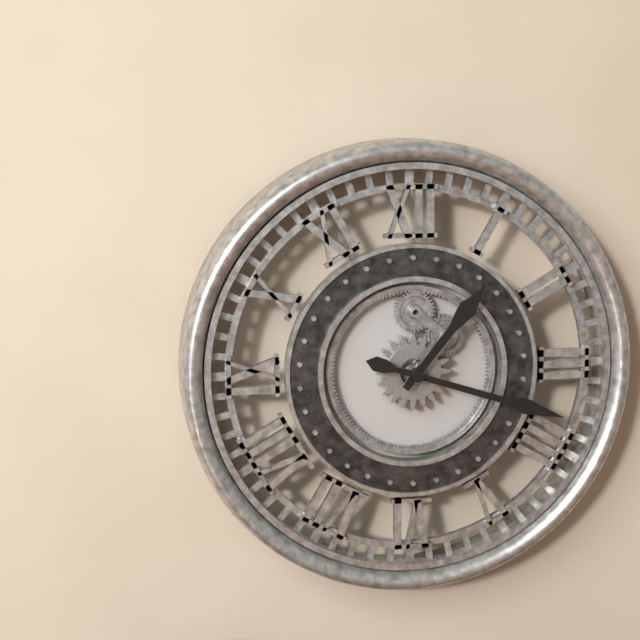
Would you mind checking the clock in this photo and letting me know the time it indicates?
1:18
